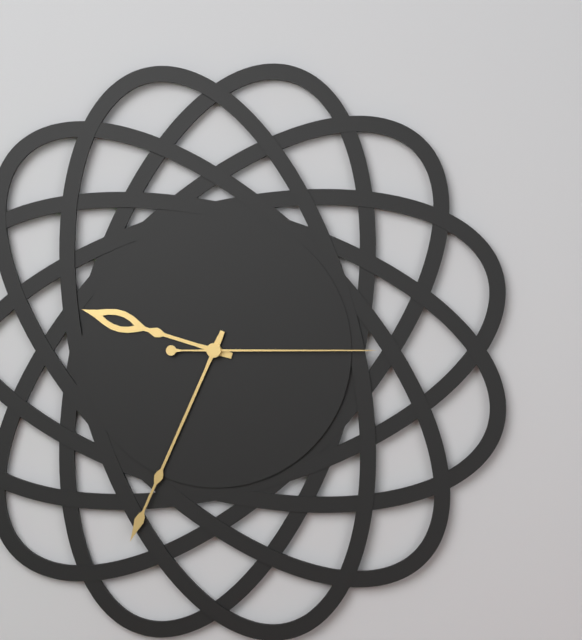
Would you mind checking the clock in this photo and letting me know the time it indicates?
9:34:15
